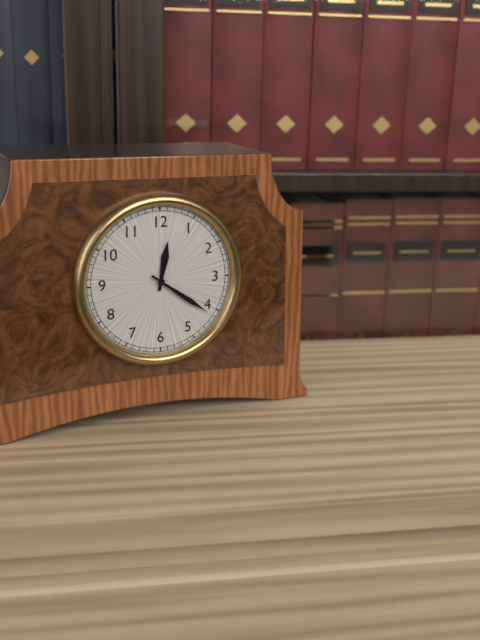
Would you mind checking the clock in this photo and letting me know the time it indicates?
12:21
